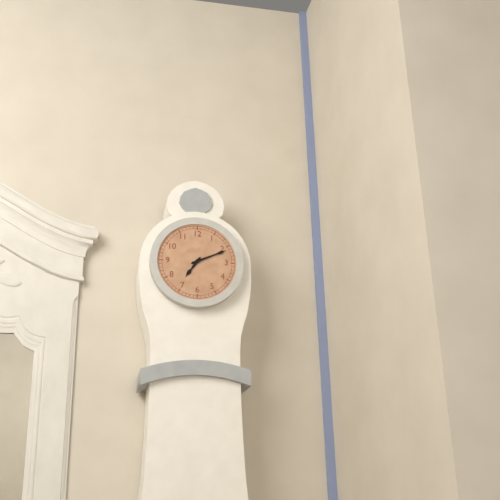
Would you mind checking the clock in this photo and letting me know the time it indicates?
7:11
